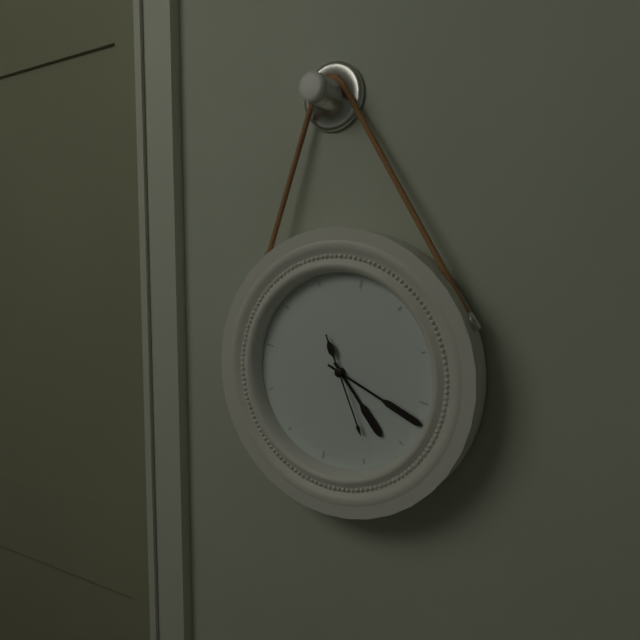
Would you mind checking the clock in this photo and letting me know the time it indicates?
4:17:24
